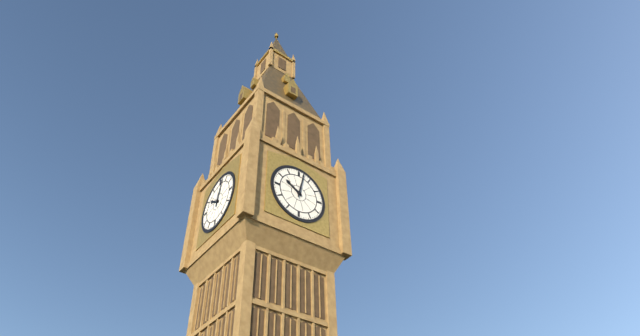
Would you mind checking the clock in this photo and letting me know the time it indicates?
10:02
